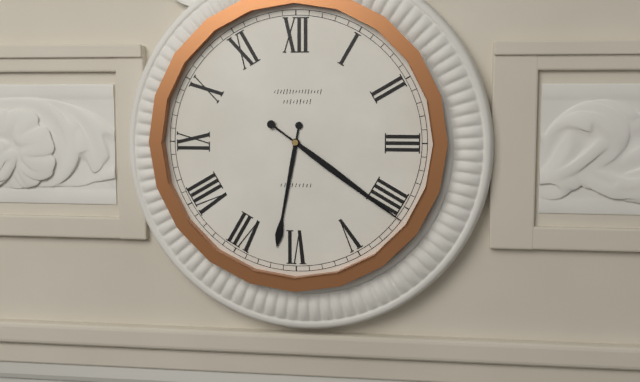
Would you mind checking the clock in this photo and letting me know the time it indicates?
6:21
